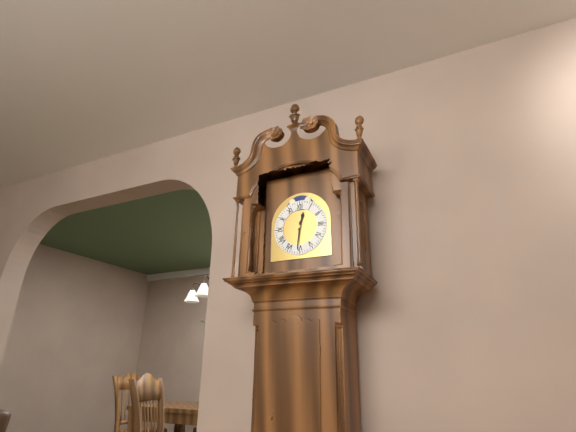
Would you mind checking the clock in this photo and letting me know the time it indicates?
12:31
